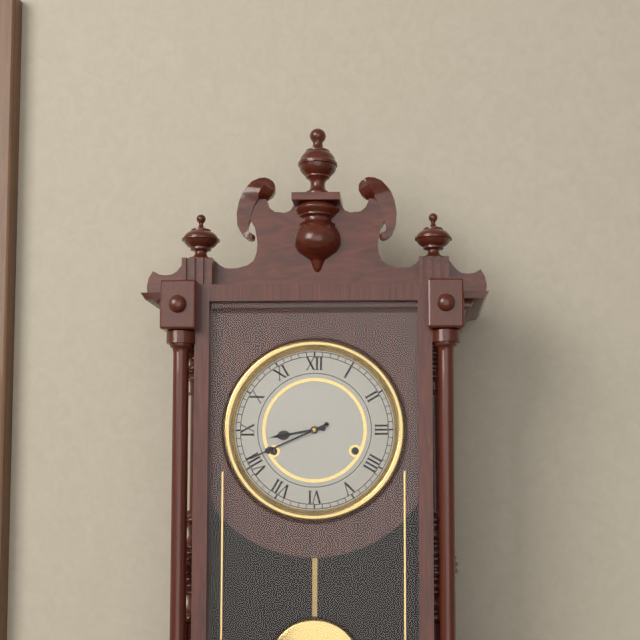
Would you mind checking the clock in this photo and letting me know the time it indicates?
8:41
